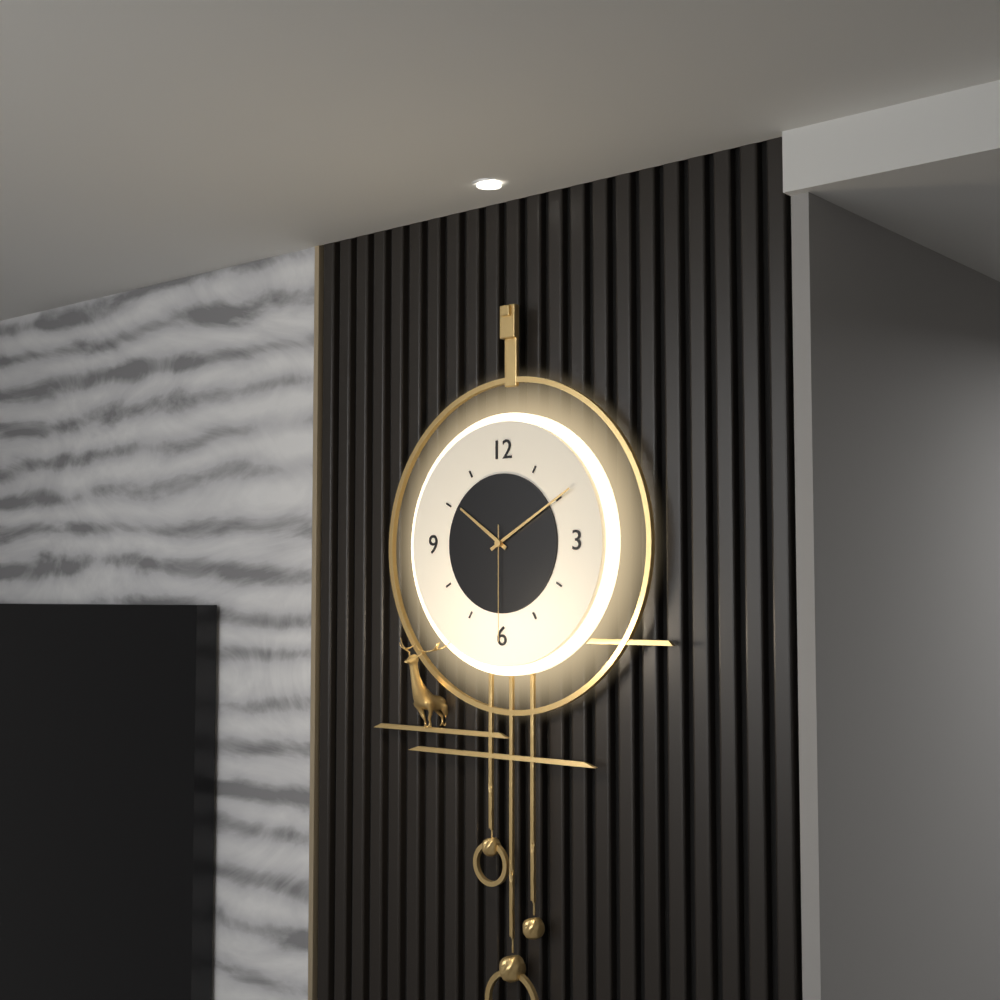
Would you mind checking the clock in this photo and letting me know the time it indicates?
10:10:30
